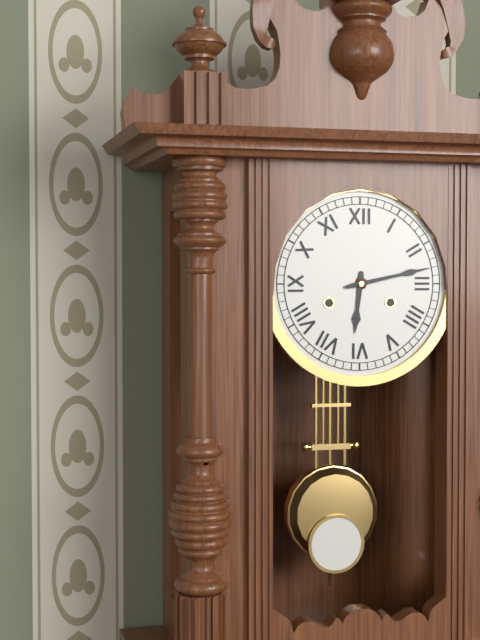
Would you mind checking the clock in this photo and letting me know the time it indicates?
6:13
